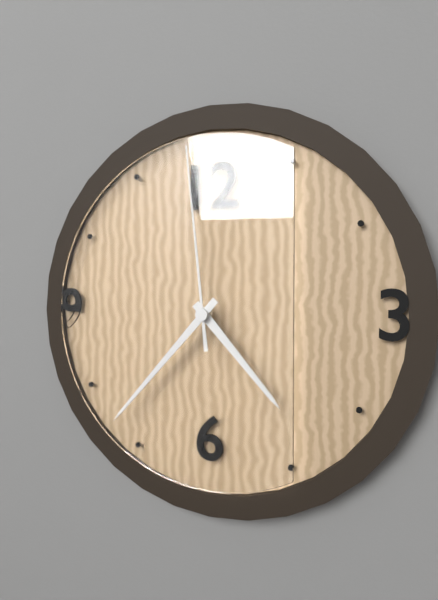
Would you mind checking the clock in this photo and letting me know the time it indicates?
4:37:59
